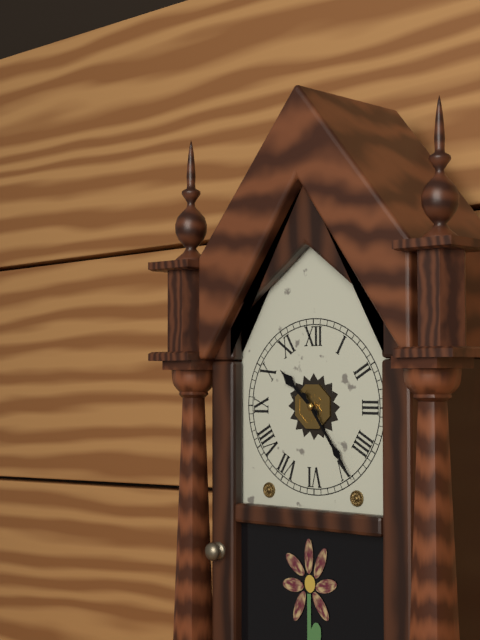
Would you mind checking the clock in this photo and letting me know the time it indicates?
10:24
